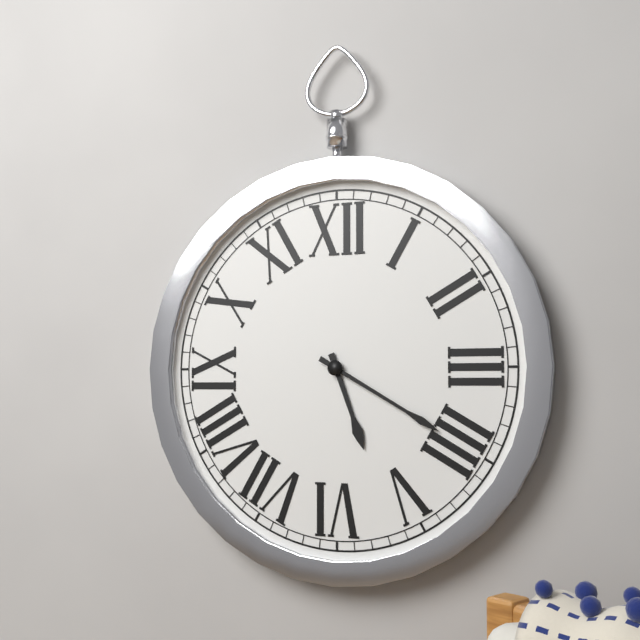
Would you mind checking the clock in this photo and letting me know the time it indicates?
5:20
